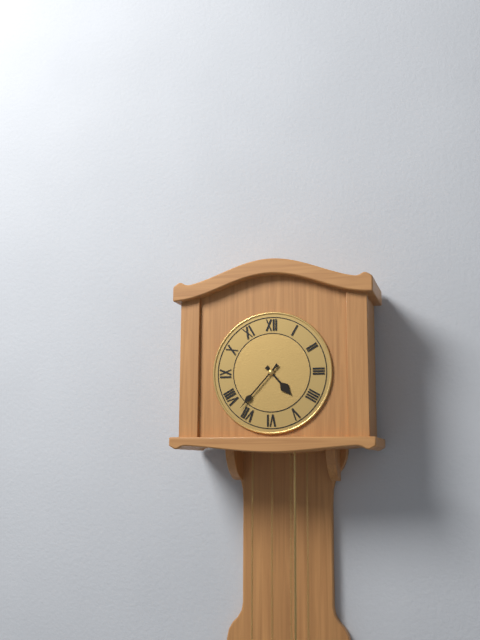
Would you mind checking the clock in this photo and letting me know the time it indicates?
4:37
